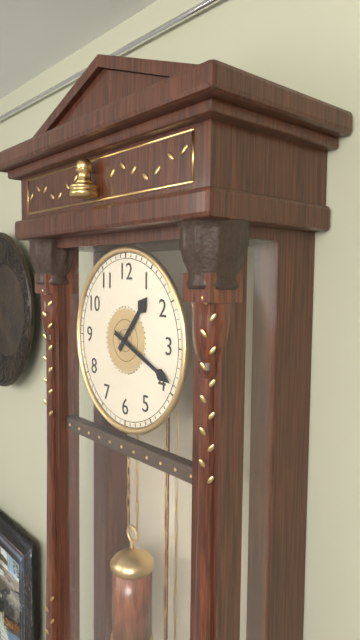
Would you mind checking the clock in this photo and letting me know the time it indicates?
1:19
